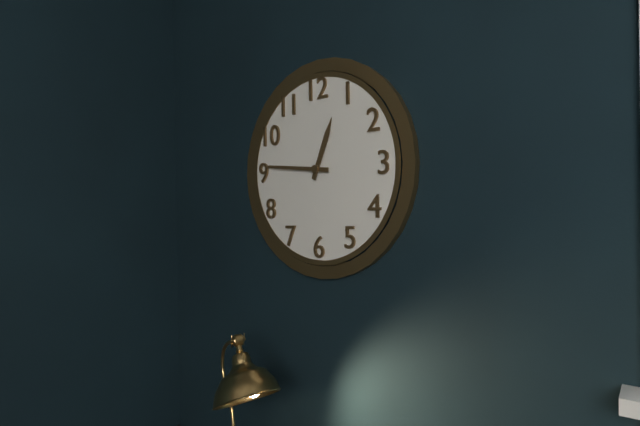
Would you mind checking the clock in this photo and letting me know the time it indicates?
12:46
